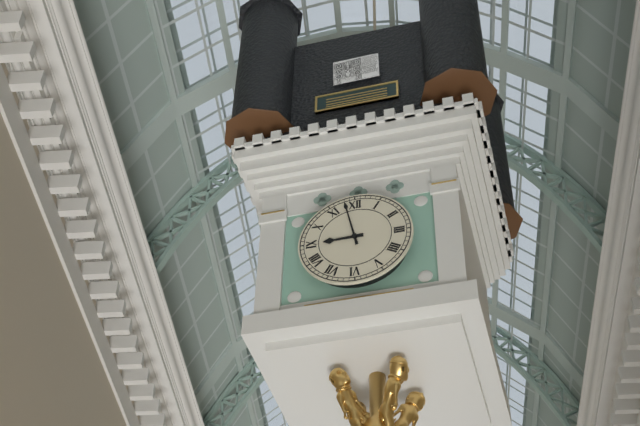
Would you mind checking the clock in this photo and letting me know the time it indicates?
8:58
